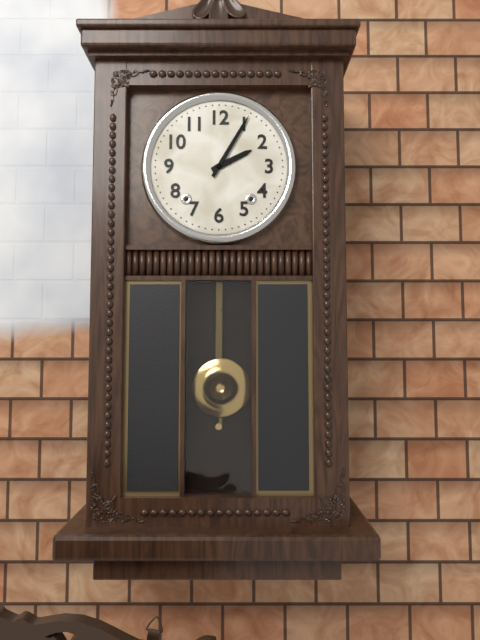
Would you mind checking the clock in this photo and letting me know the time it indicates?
2:05
